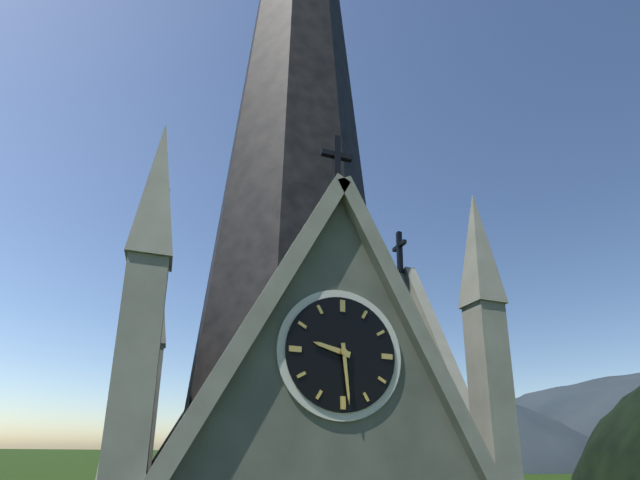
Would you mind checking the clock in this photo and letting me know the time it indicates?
9:29
